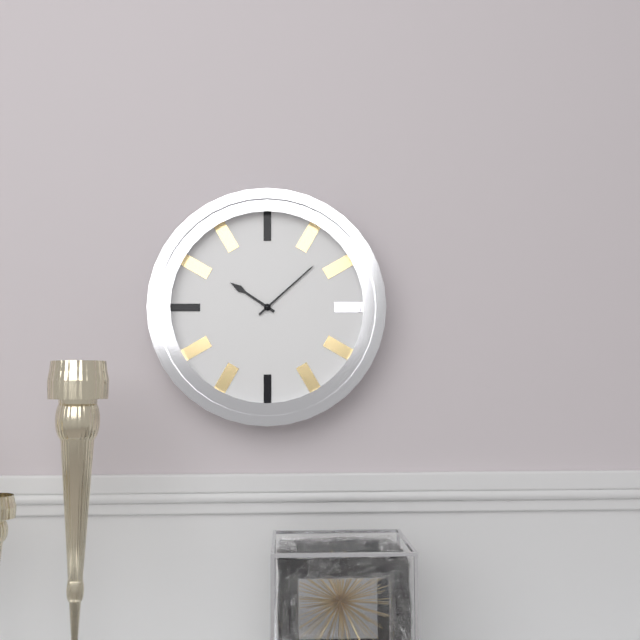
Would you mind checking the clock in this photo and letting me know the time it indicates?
10:08
